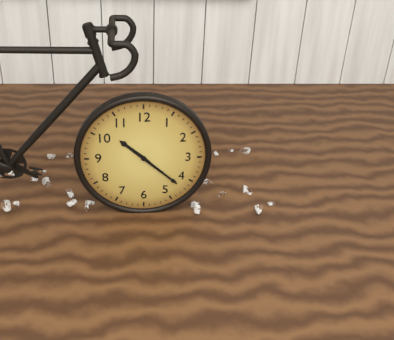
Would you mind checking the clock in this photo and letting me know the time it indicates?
10:22
